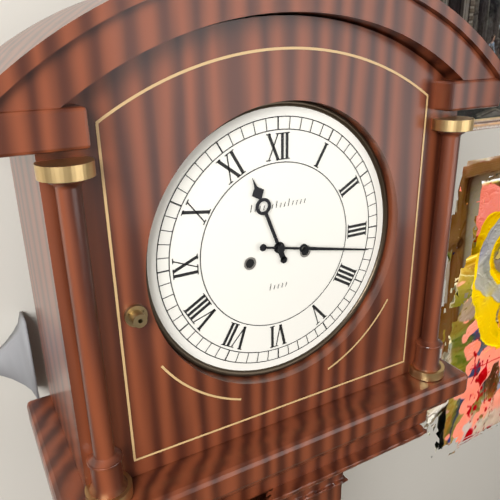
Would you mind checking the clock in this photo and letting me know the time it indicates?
11:17
